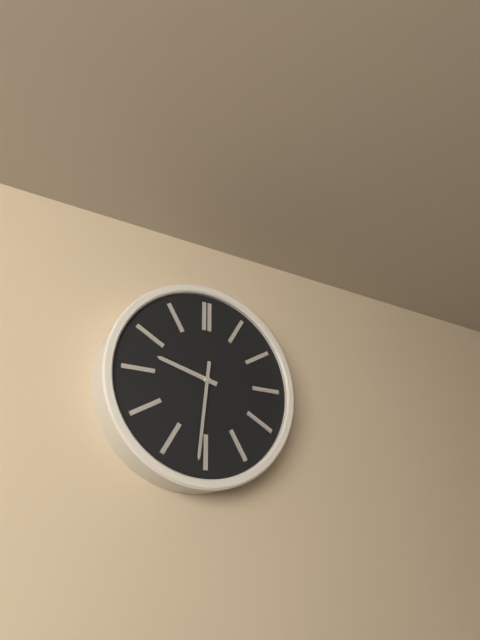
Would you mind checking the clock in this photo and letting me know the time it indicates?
9:31
